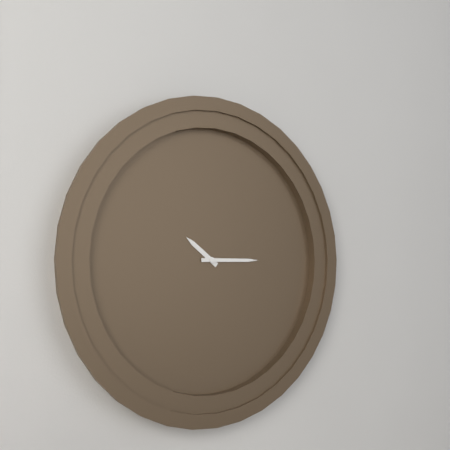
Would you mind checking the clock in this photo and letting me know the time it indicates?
10:15
